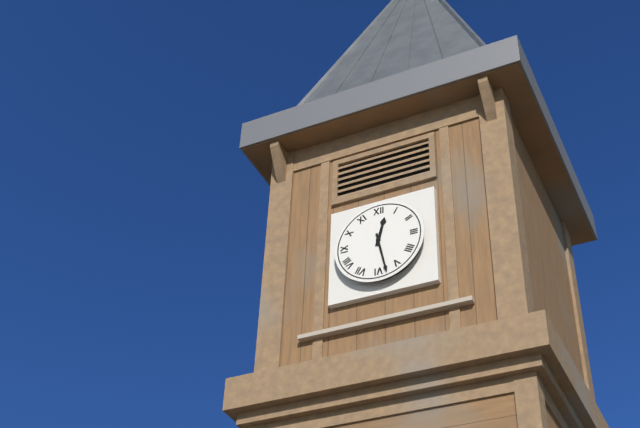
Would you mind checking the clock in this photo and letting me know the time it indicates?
12:28
